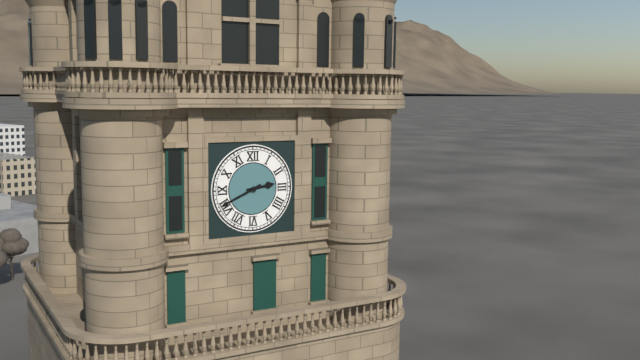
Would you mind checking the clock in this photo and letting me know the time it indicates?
2:41
